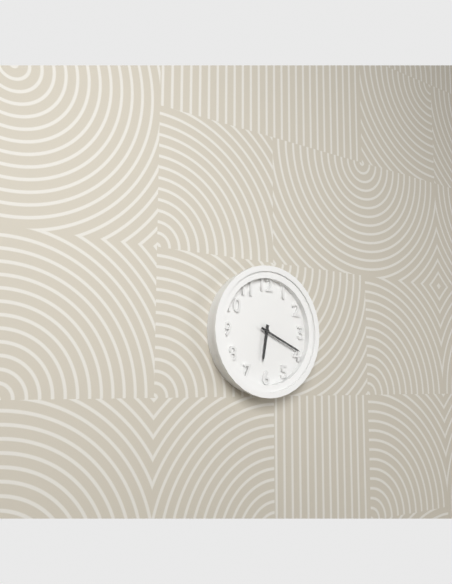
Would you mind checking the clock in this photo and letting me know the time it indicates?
6:19
